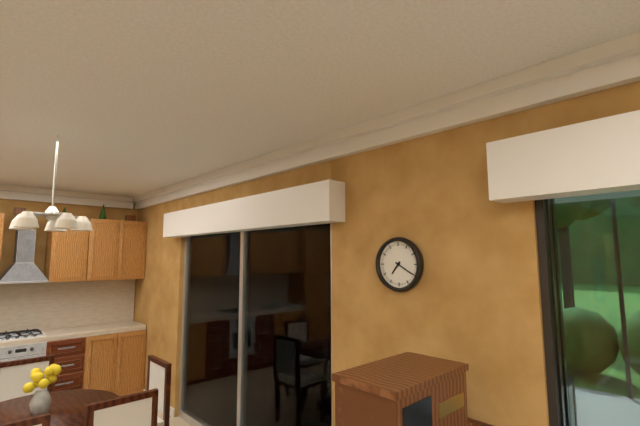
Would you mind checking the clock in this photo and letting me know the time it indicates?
7:20
